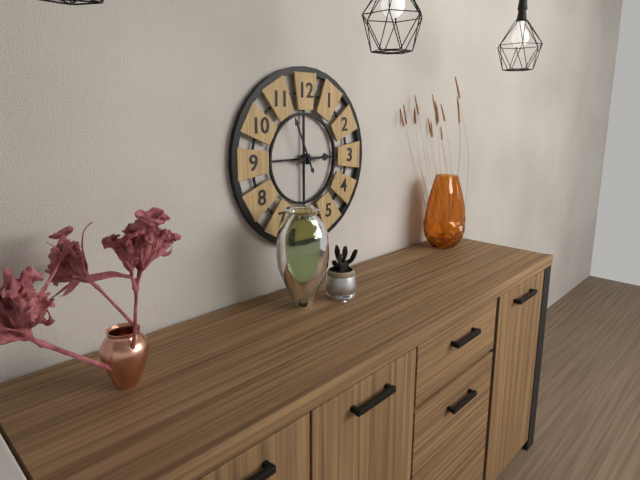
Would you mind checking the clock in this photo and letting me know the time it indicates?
2:56
